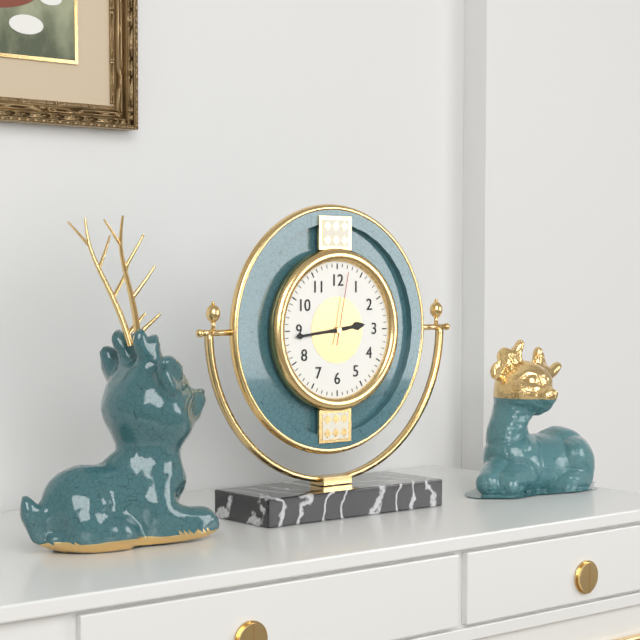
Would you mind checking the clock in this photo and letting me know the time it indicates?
2:44:02
